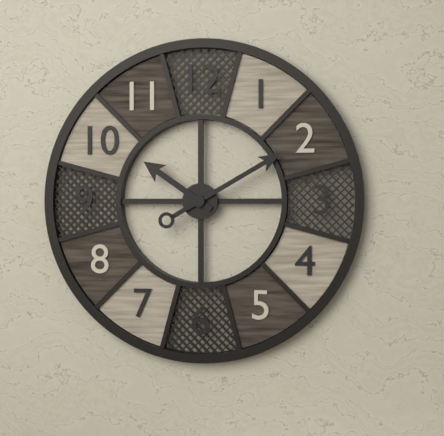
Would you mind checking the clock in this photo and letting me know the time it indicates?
10:10
